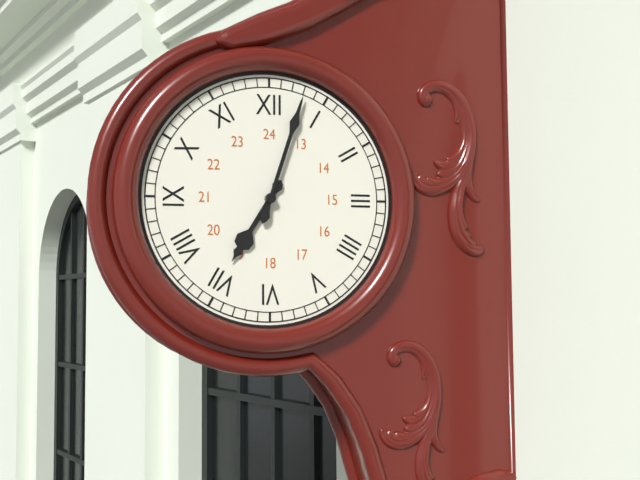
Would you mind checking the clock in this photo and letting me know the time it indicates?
7:03
